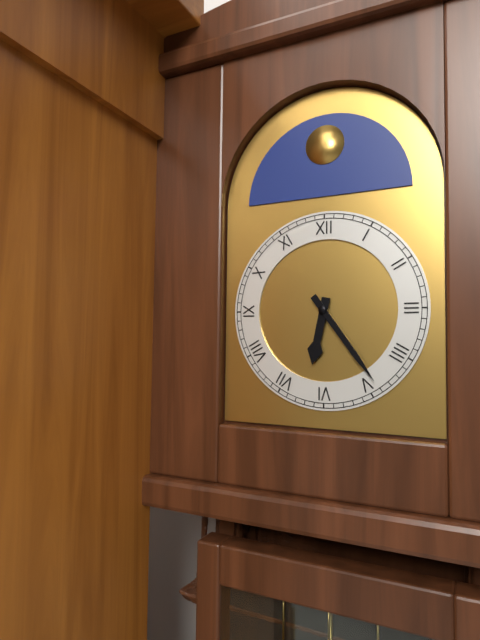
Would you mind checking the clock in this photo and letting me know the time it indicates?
6:24
